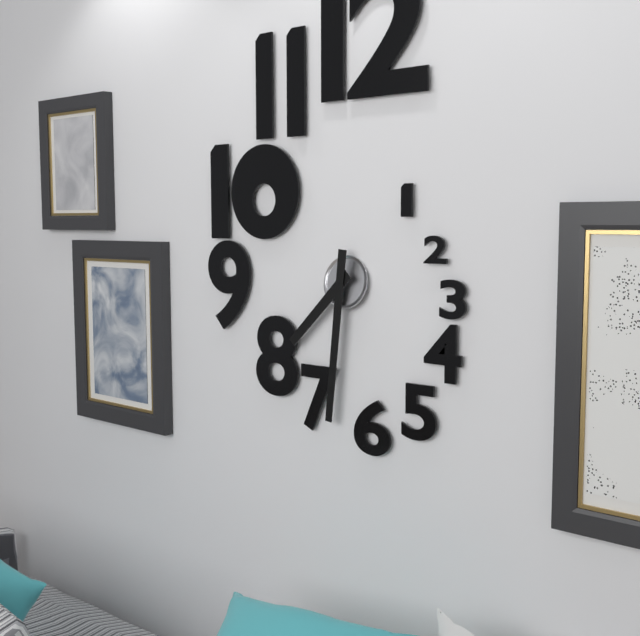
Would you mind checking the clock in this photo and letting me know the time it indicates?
7:31
